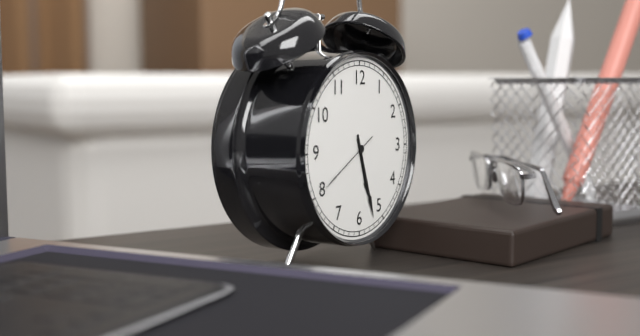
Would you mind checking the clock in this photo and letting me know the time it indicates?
5:27:40
